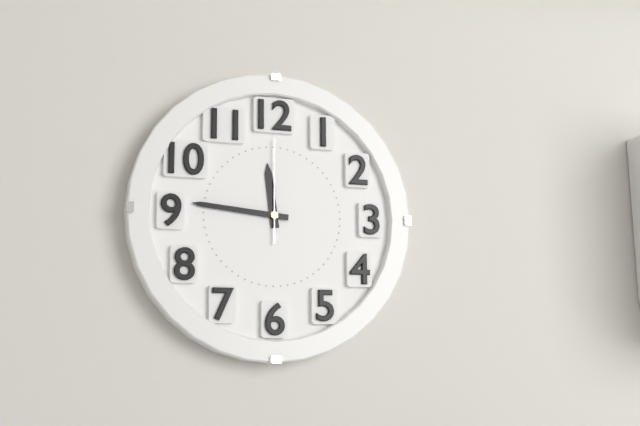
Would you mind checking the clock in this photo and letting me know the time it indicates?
11:46:00
